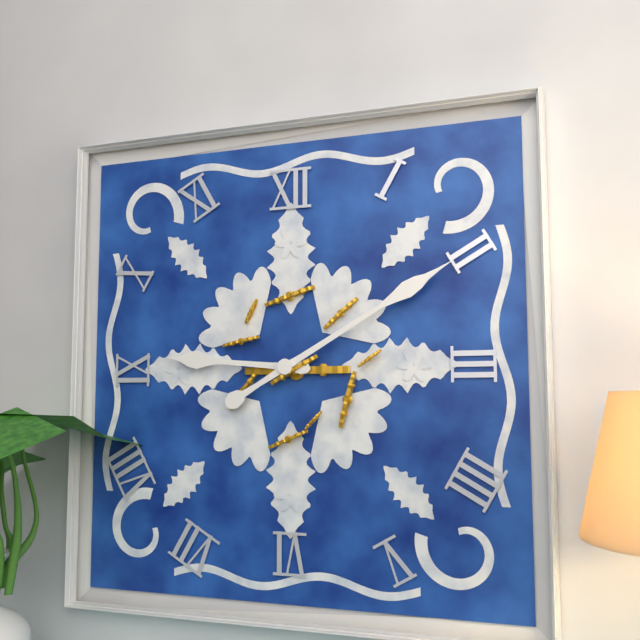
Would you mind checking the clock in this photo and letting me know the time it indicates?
9:10
